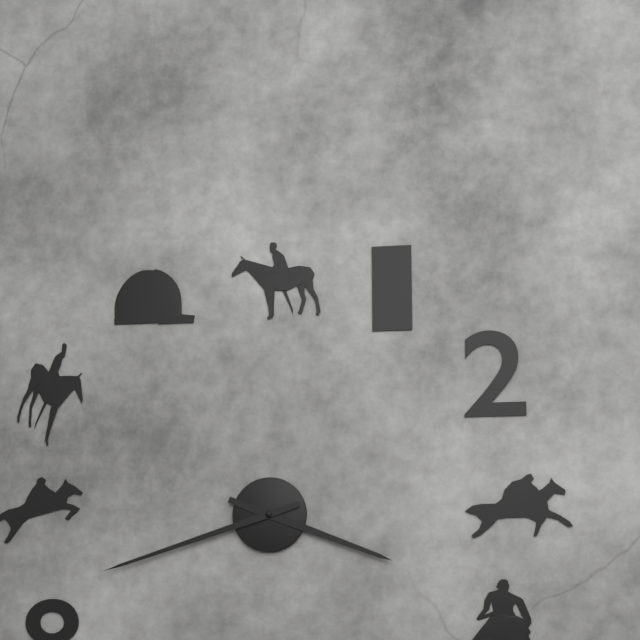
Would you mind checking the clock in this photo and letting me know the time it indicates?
3:42
